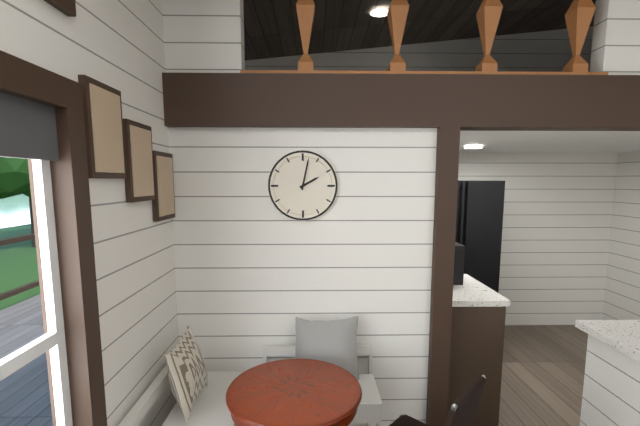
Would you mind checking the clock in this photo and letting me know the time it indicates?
2:02
